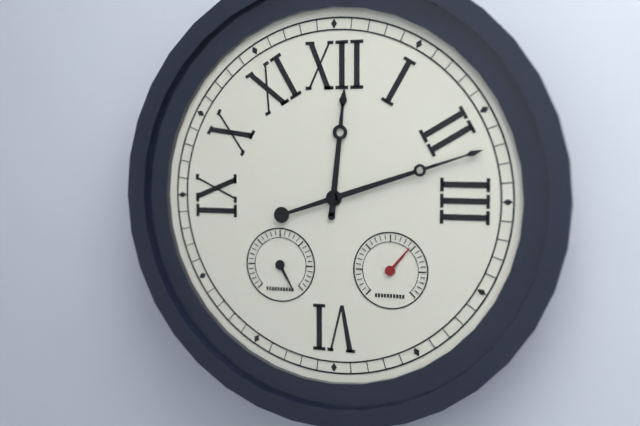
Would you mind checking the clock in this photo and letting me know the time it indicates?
12:12
